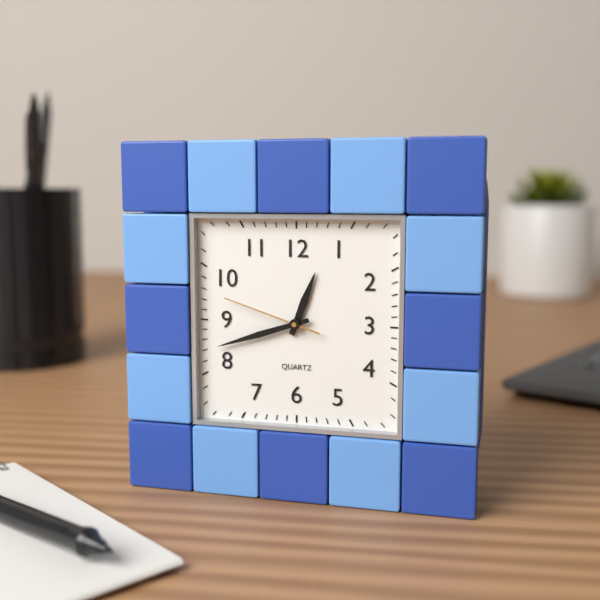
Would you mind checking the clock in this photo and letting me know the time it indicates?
12:42:48
